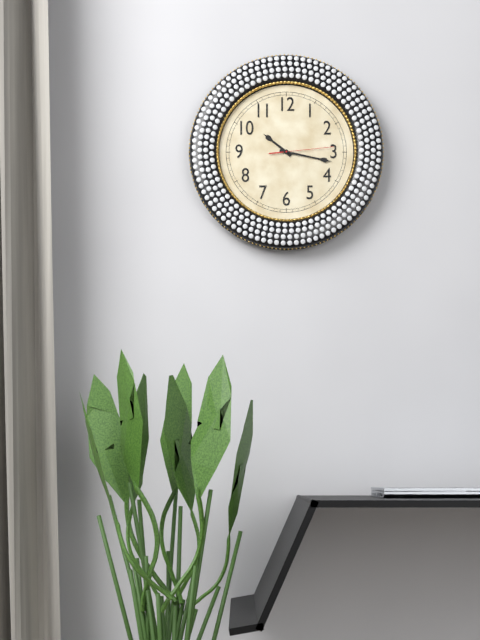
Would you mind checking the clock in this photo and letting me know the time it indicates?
10:17:14
